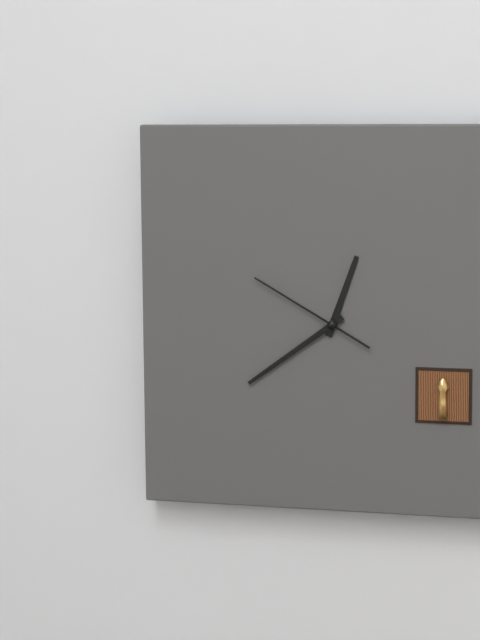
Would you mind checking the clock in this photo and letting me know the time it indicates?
12:39:50
